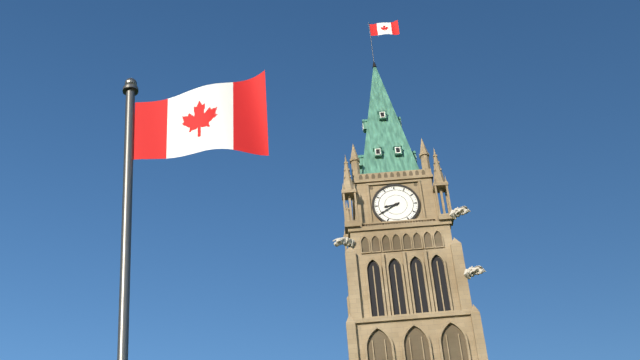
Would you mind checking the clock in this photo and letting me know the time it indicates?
8:40
